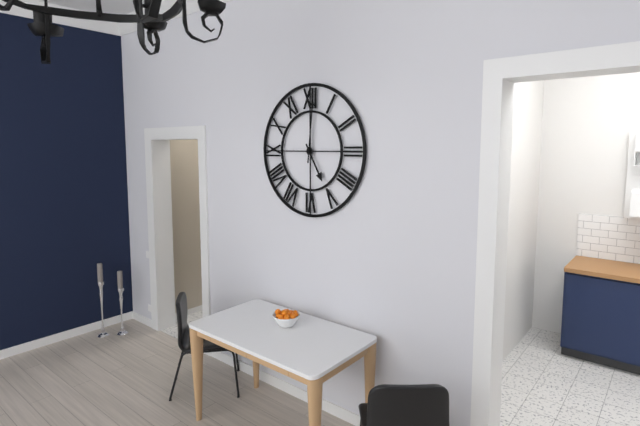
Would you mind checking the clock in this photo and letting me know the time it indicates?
5:01
